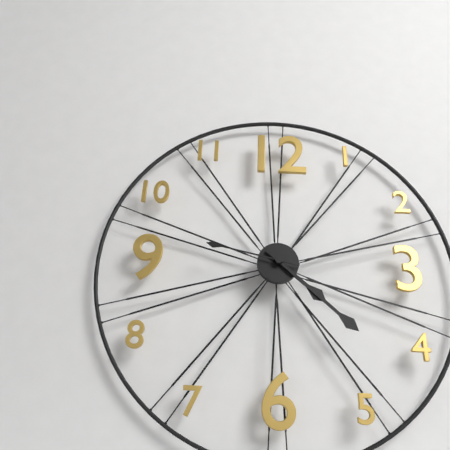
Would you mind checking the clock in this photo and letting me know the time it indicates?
4:22:47
